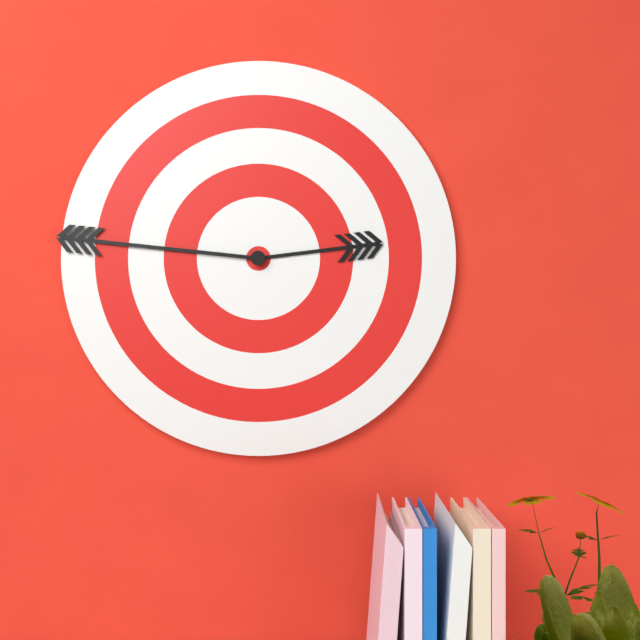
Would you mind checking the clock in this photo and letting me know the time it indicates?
2:46
